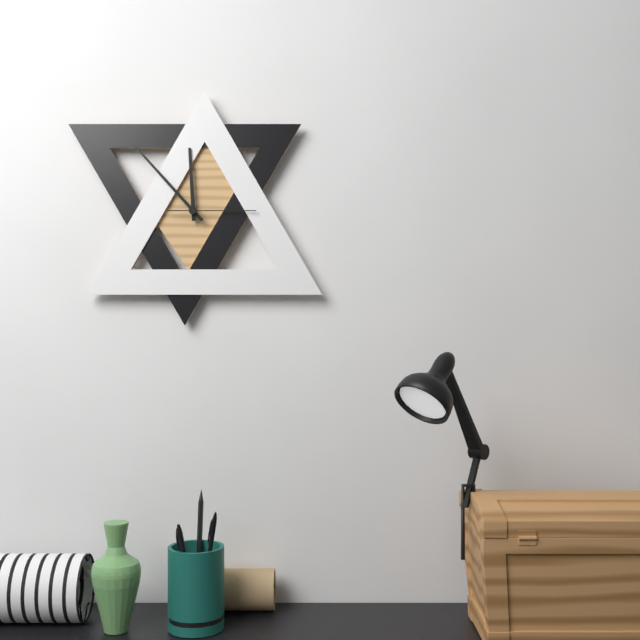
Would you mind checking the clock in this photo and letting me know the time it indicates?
11:53:15
